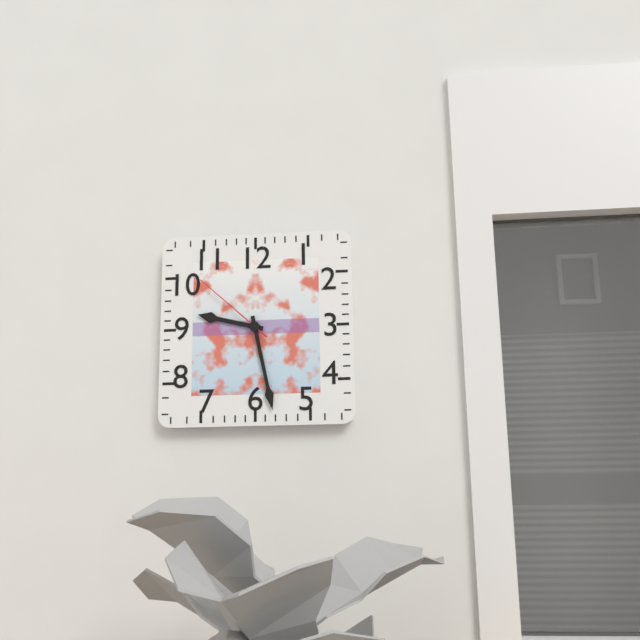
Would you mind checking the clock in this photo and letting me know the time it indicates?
9:28:52
